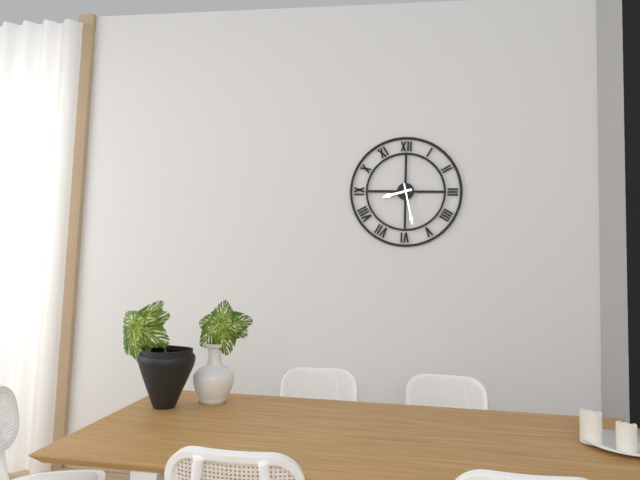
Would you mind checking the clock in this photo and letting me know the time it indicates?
8:28
